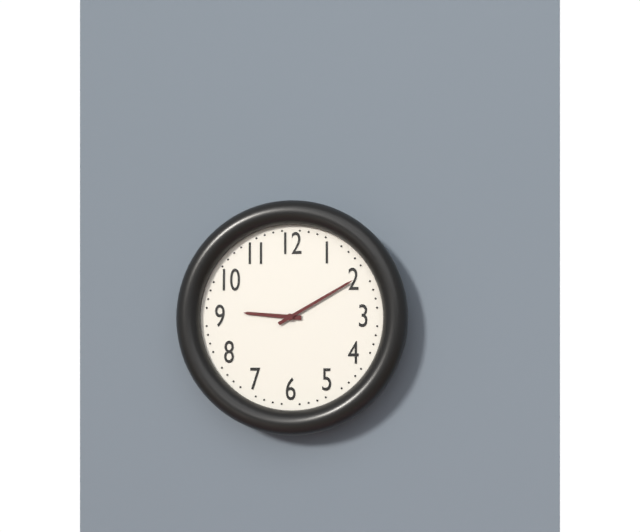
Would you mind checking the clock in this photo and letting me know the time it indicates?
9:10
